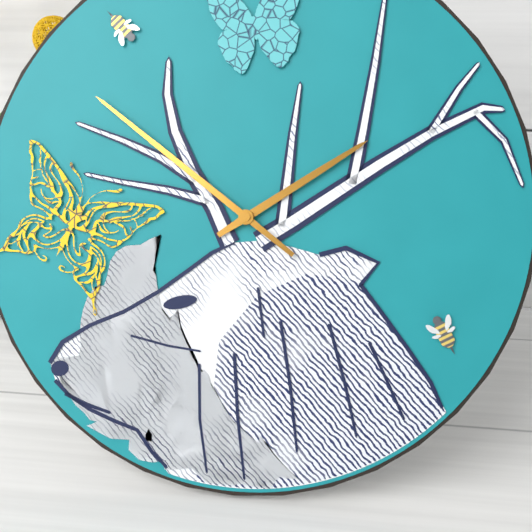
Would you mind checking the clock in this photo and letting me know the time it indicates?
1:51
